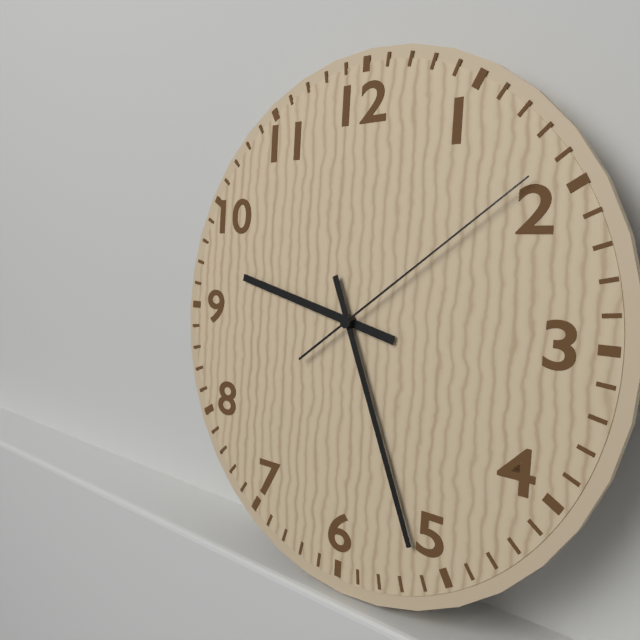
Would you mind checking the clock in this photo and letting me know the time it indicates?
9:26:09
